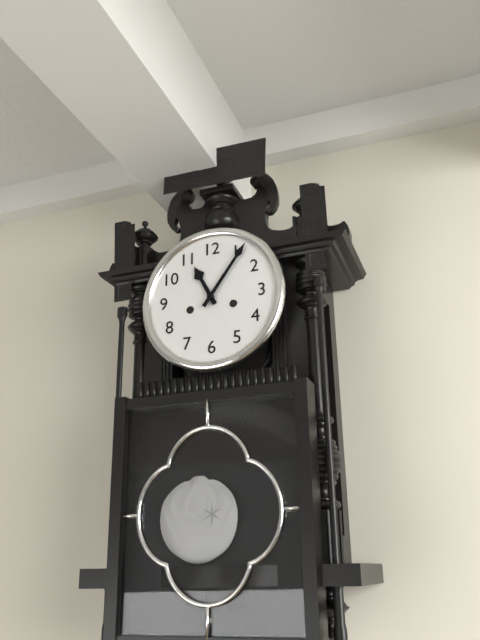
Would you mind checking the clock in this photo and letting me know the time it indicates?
11:06
